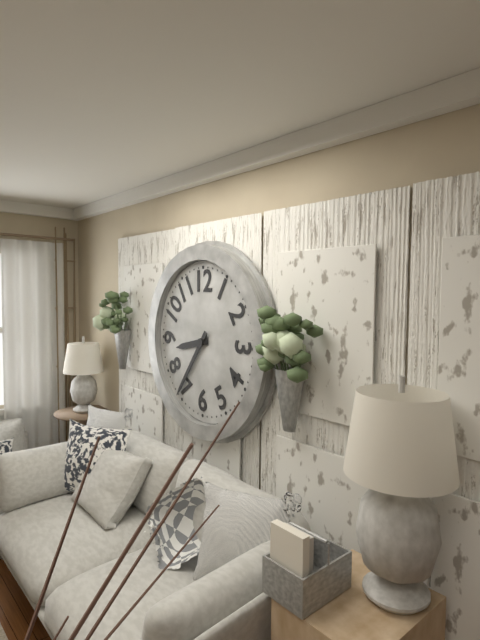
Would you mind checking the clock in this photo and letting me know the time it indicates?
8:36
